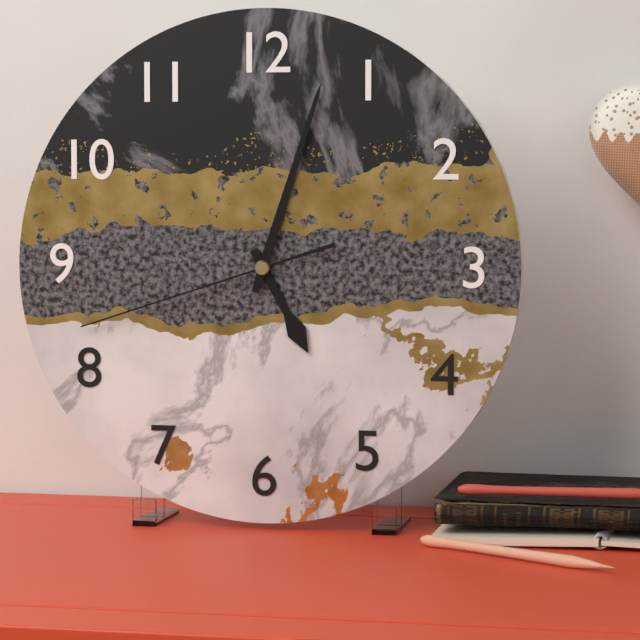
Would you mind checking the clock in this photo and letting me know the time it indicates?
5:03:42
